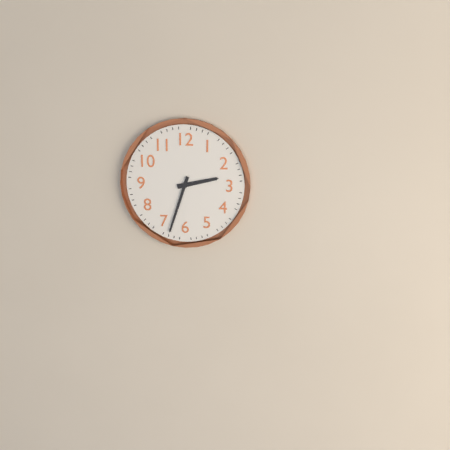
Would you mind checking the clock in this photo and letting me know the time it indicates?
2:33
